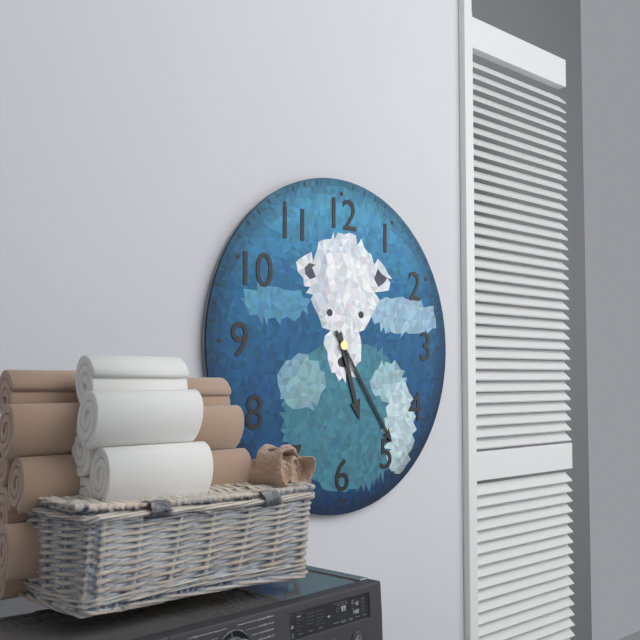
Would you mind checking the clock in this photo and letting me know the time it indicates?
5:24
